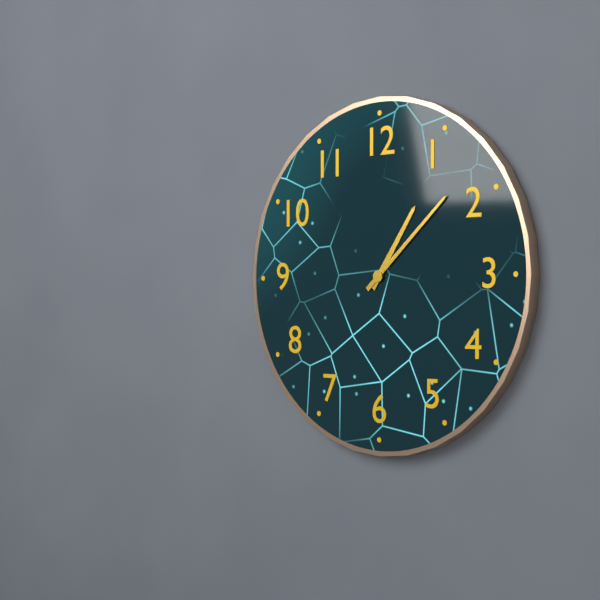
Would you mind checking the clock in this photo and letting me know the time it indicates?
1:08
